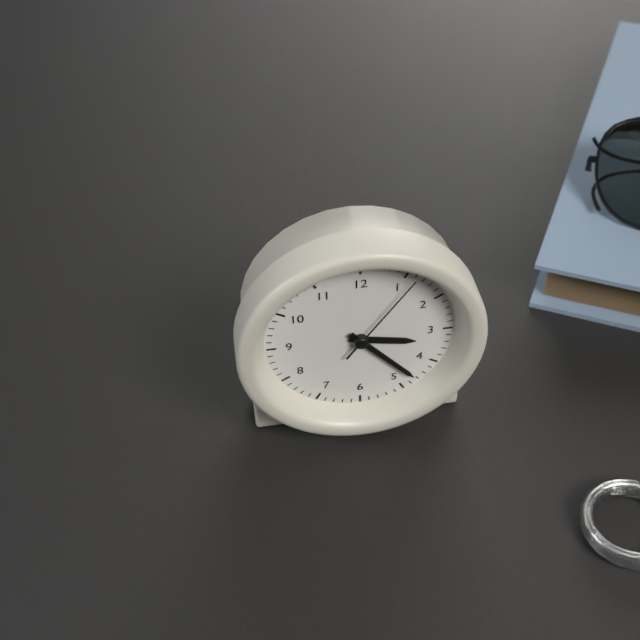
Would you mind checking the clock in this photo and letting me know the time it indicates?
3:23:06
